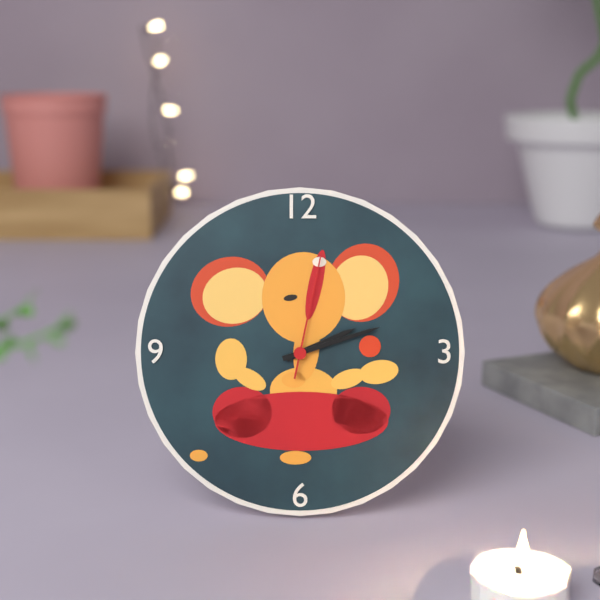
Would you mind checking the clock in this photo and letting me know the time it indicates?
2:12:02
